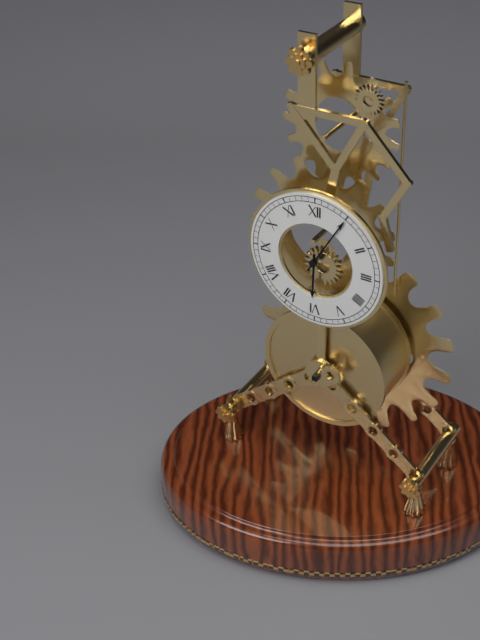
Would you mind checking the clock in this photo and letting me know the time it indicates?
6:05
